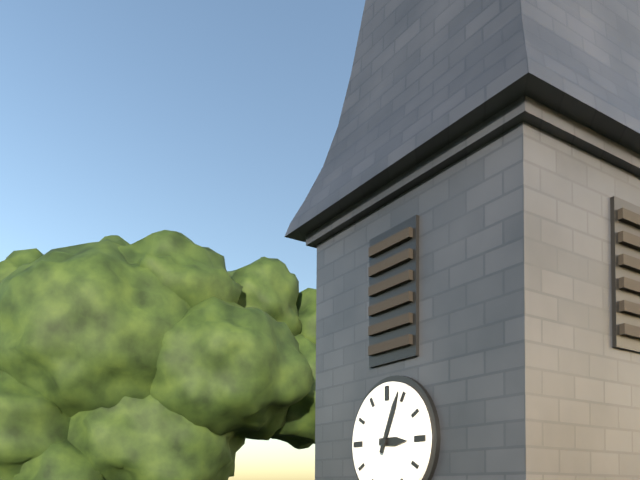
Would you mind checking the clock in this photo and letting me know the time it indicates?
3:04
